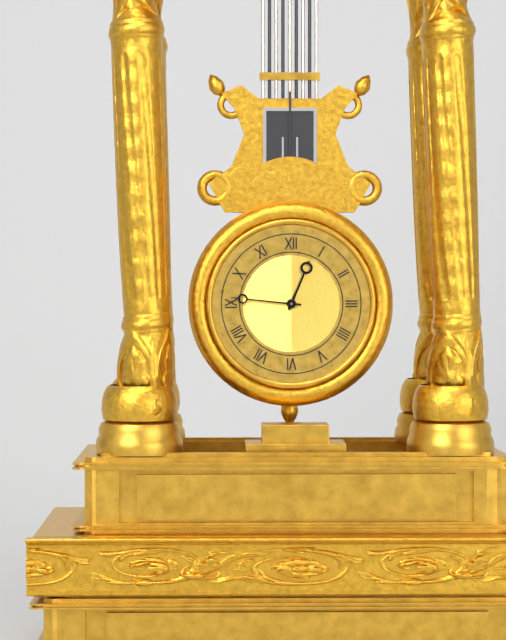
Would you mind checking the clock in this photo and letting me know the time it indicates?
12:46
